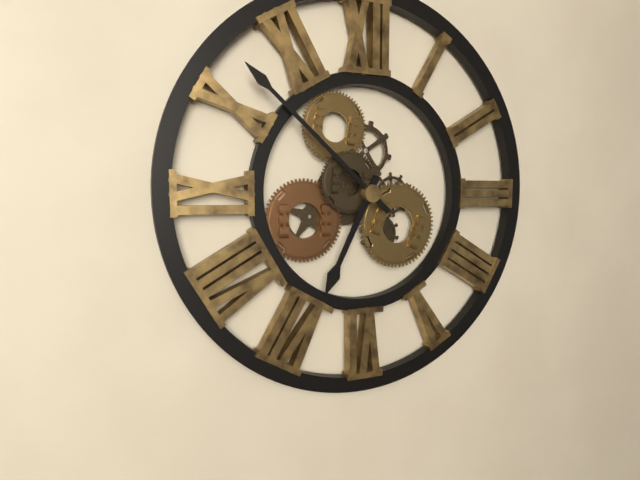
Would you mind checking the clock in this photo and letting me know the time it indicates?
6:52
